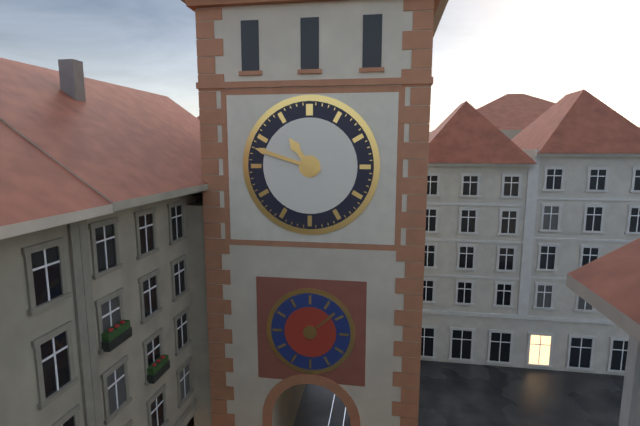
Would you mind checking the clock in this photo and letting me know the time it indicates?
10:48
